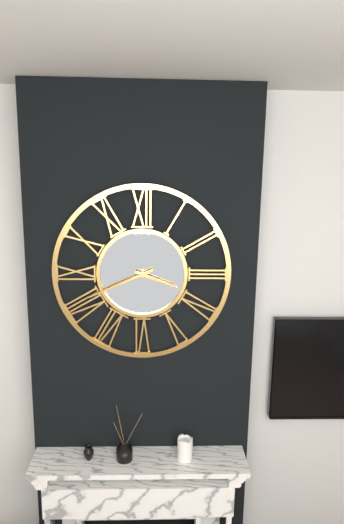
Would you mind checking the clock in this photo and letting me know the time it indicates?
3:41
